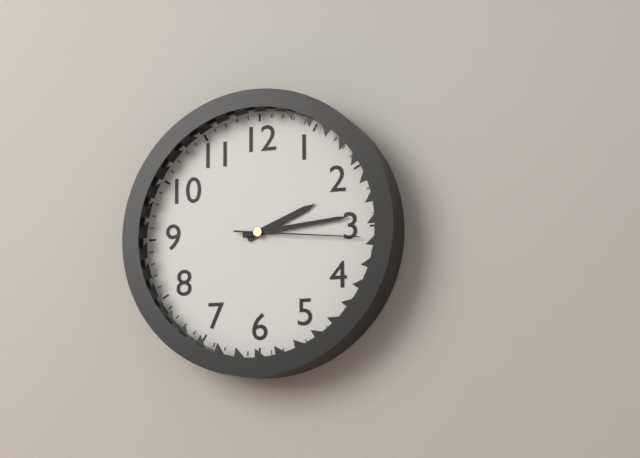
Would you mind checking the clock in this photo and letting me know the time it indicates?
2:14:16
